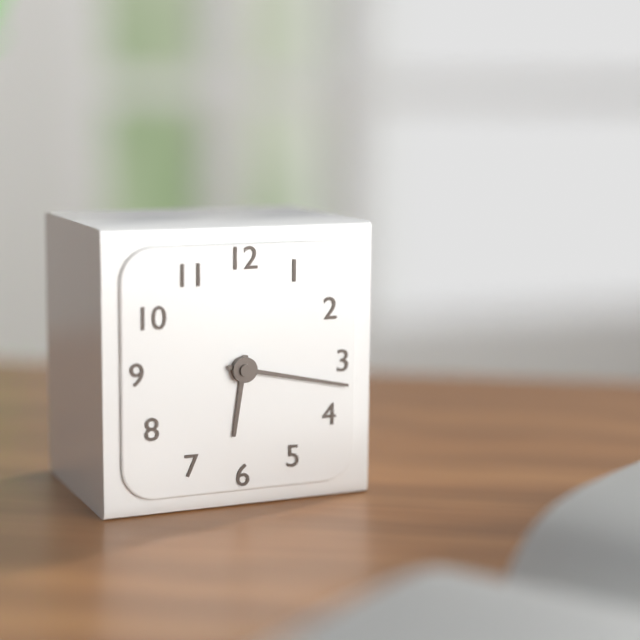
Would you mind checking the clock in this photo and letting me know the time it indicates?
6:17
